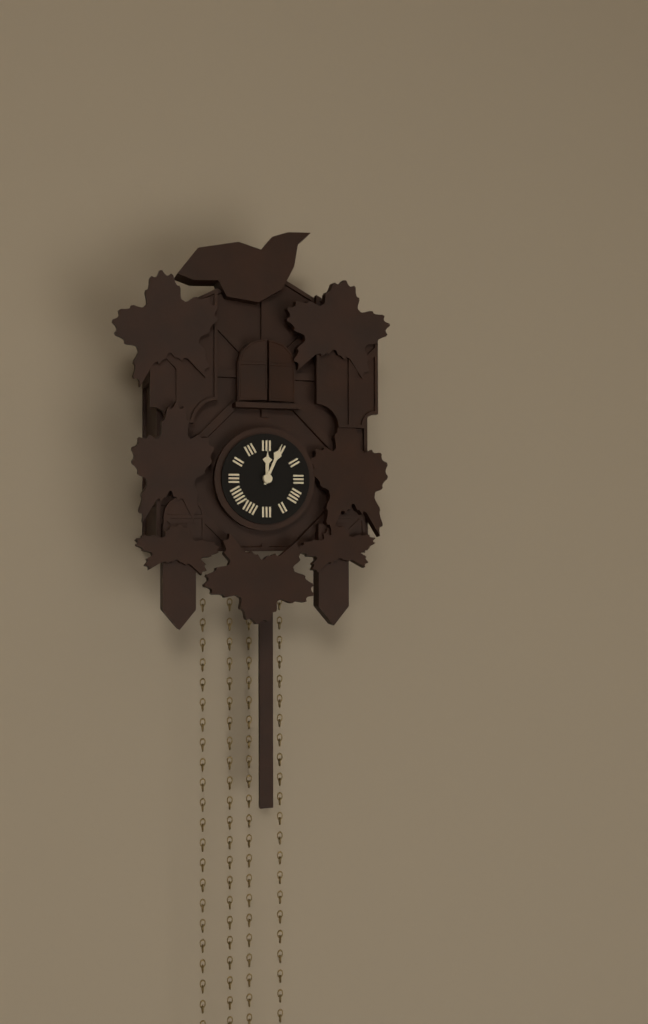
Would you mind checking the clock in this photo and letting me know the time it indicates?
12:04
